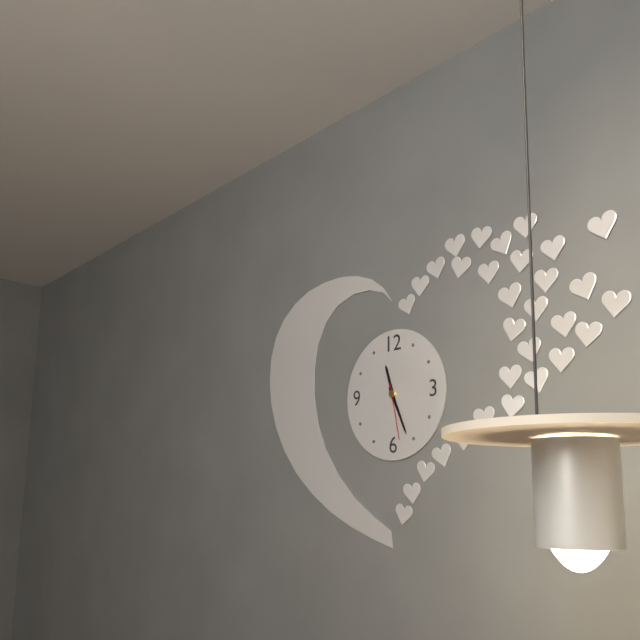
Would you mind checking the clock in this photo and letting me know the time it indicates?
11:26:28
